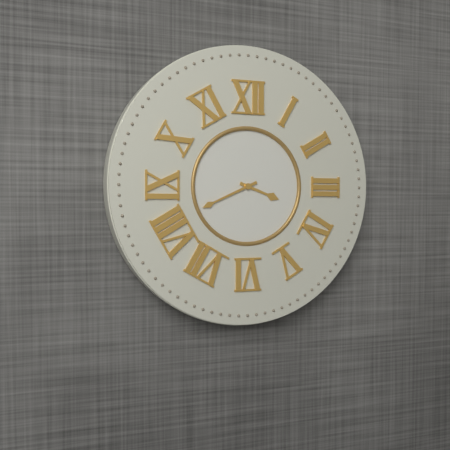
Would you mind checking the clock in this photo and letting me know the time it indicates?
3:41
